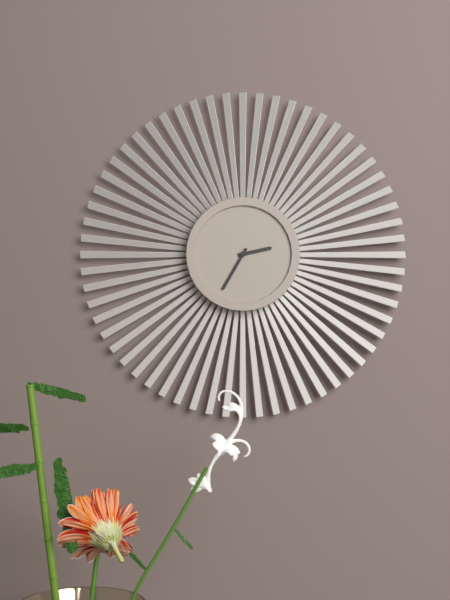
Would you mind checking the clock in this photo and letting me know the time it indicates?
2:35
